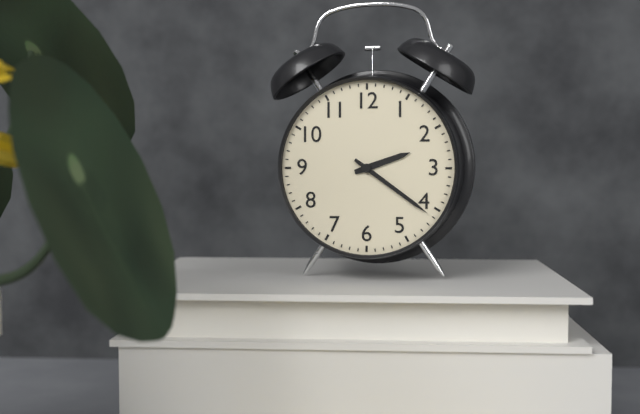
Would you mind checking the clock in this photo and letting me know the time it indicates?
2:21
